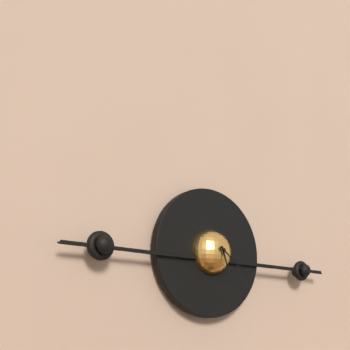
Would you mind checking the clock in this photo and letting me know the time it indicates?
5:21
